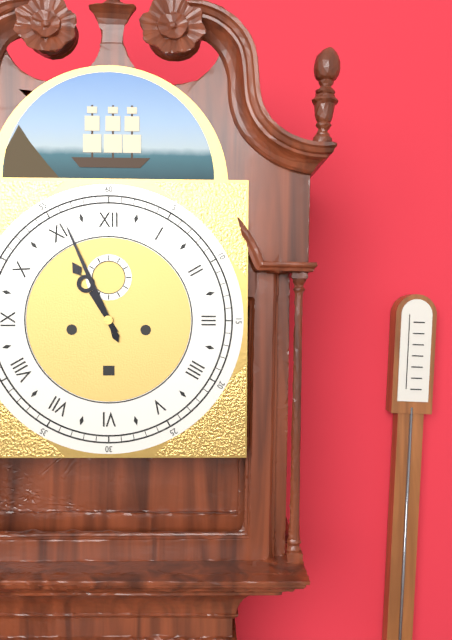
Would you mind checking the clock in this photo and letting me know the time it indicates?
10:56
